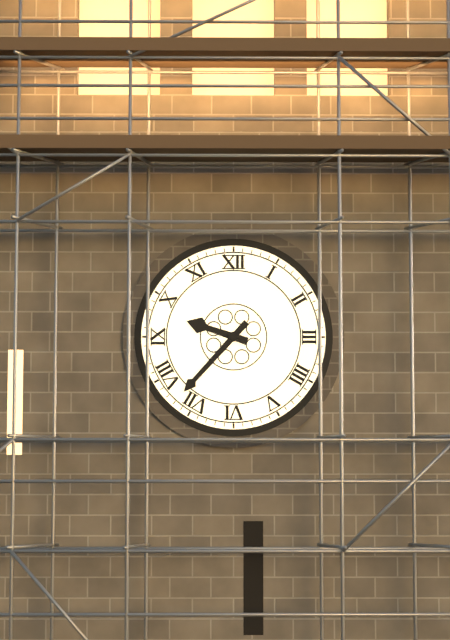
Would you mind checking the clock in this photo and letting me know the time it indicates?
9:37
